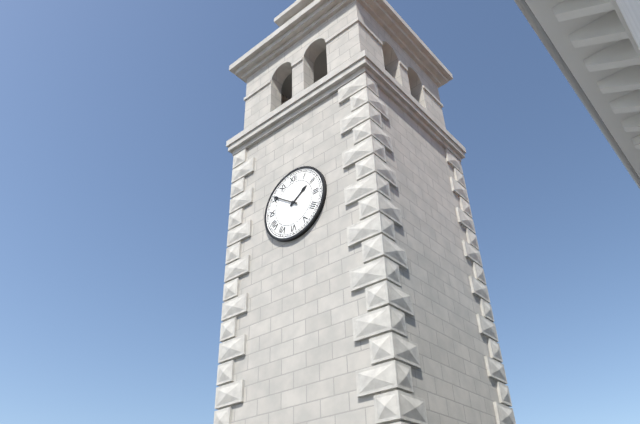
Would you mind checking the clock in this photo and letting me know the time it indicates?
1:51
